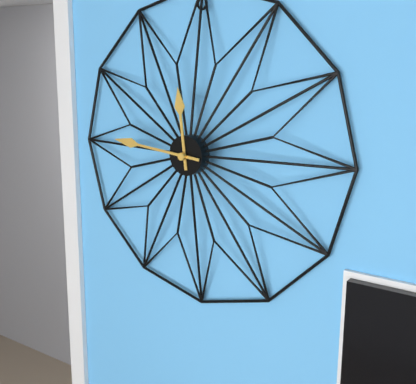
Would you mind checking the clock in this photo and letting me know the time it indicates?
11:46
